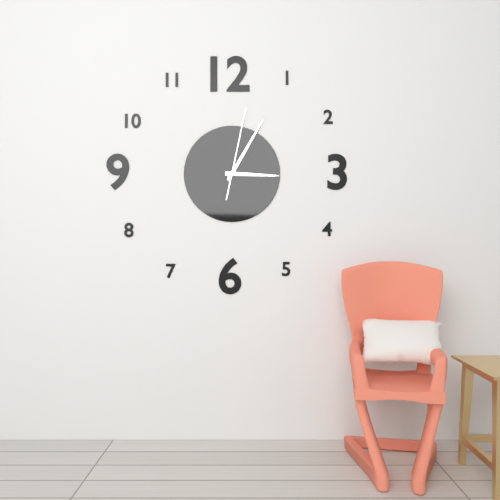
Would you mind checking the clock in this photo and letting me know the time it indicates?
3:05:02
